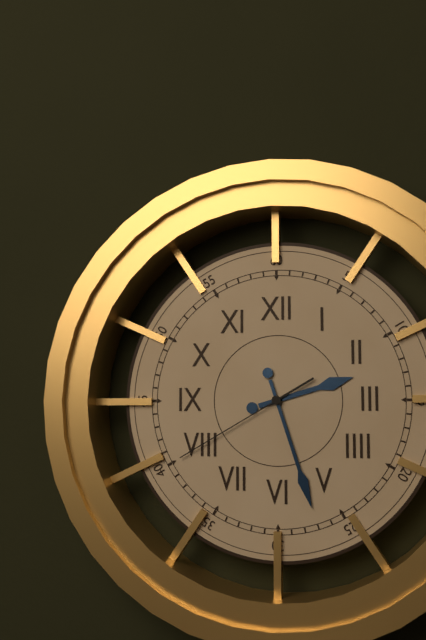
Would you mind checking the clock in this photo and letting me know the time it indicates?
2:27:40
